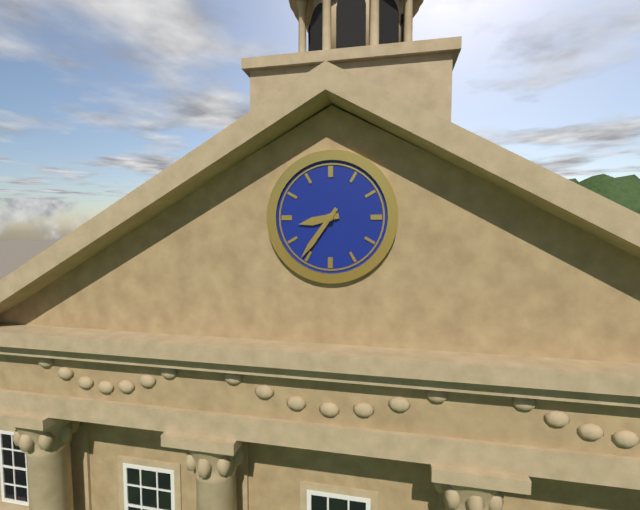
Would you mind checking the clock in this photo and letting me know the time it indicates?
8:36
